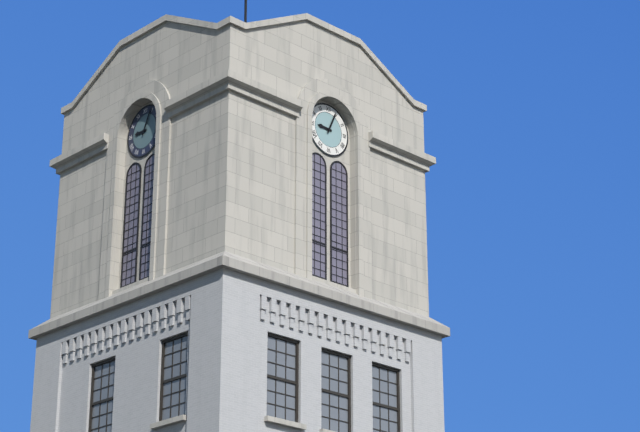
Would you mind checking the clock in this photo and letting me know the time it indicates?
9:04
